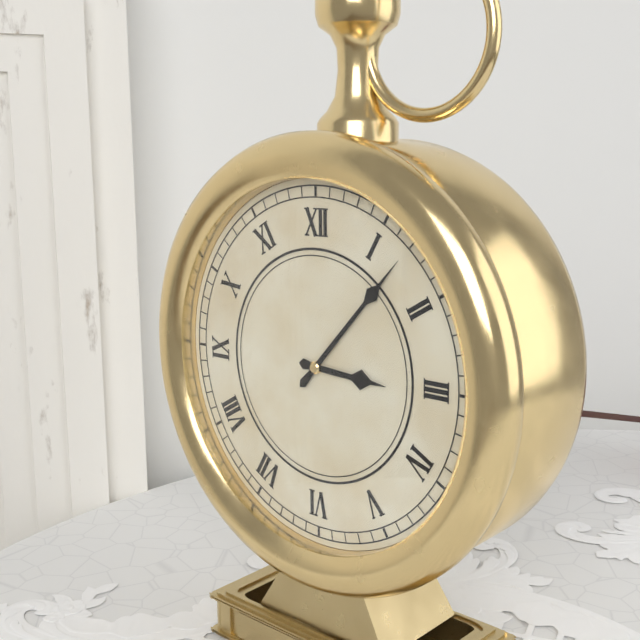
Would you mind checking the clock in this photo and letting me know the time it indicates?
3:07
